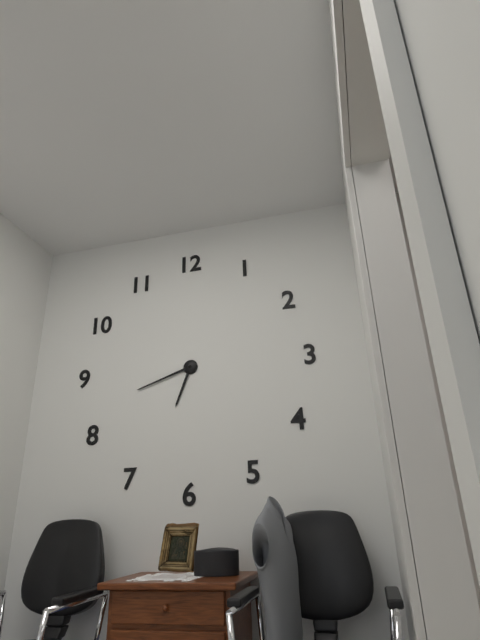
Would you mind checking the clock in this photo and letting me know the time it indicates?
6:42
